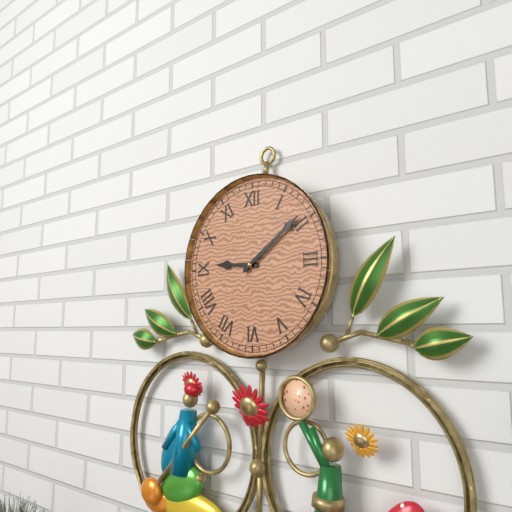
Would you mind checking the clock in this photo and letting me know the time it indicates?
9:09
